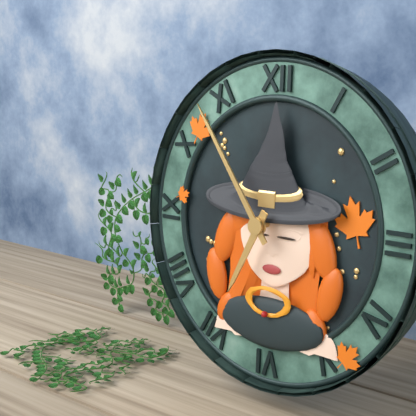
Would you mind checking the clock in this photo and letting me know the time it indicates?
6:54
